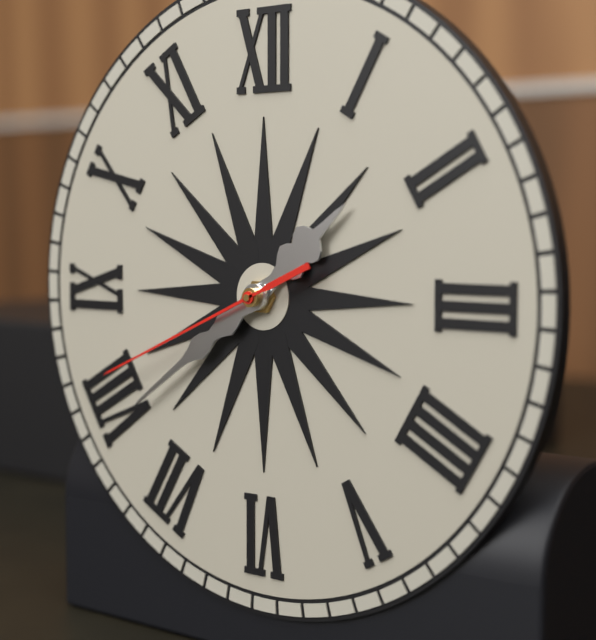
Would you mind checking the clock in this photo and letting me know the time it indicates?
1:39:41
